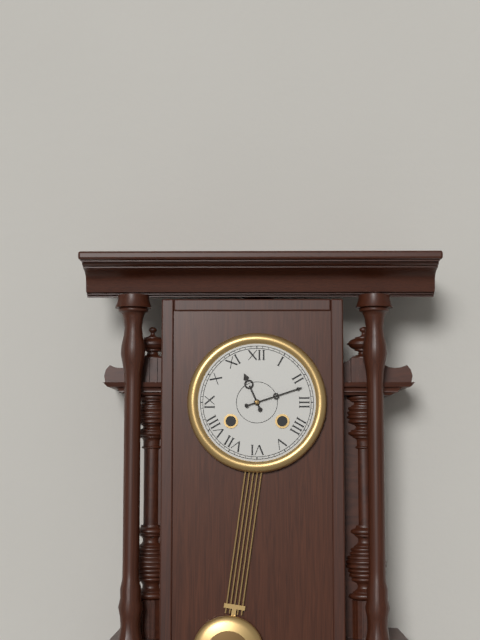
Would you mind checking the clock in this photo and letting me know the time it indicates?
11:12
